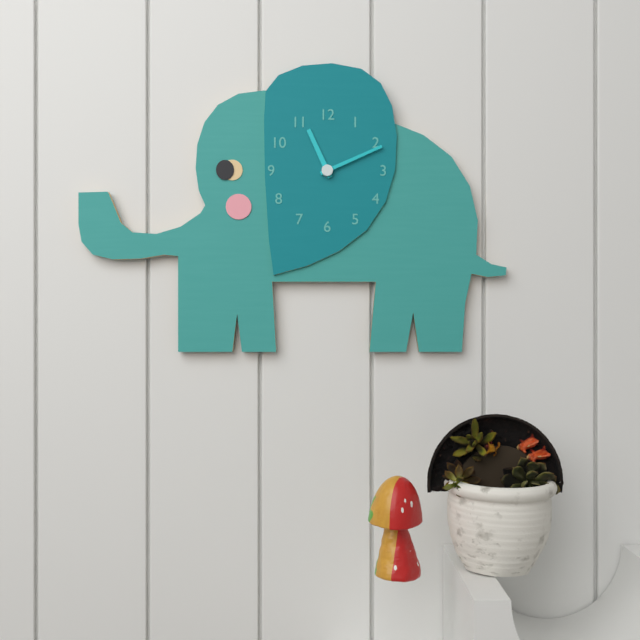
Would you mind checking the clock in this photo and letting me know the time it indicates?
11:11
